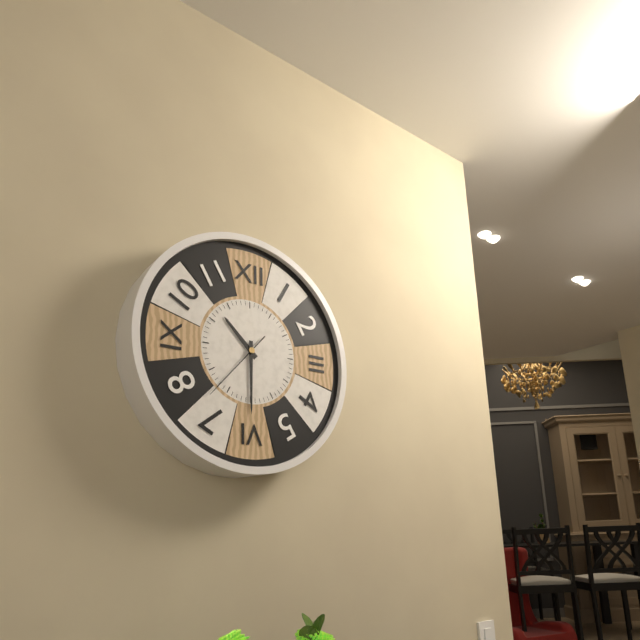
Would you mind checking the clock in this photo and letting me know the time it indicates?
10:30:37
